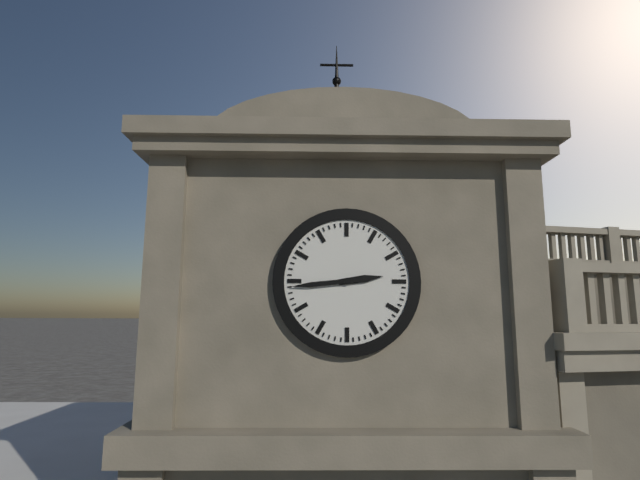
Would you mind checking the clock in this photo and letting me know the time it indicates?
2:44
